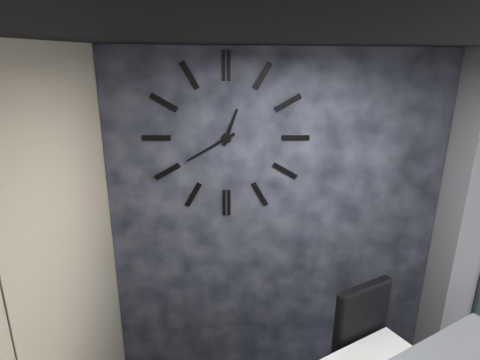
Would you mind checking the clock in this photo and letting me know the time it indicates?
12:40
